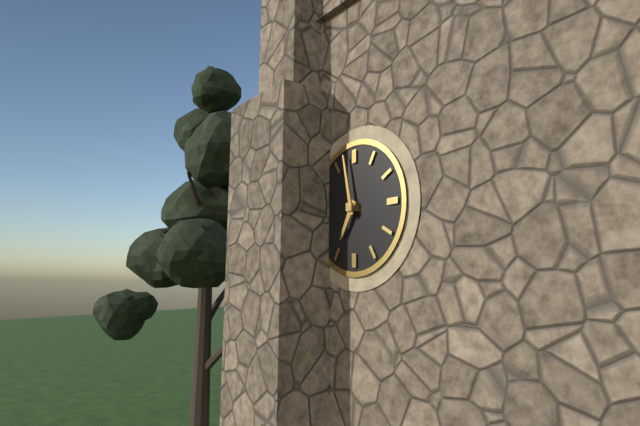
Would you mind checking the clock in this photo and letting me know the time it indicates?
6:58
